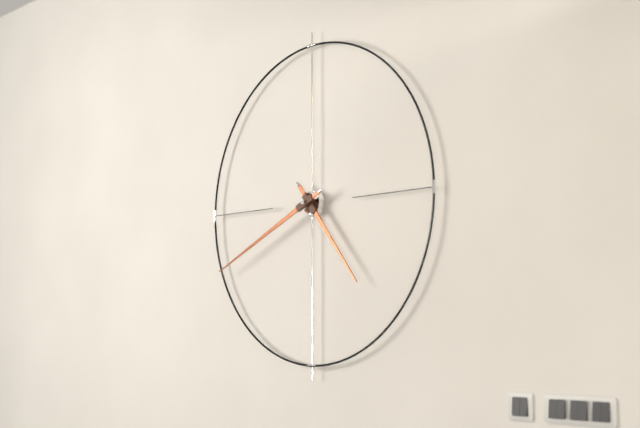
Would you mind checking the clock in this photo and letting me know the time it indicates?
4:41
